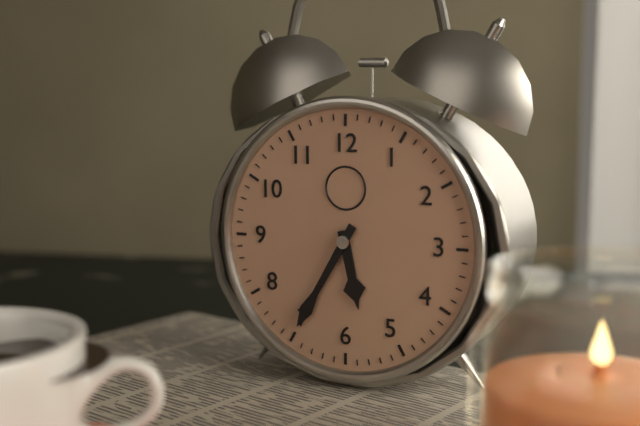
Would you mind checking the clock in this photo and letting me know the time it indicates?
5:35
